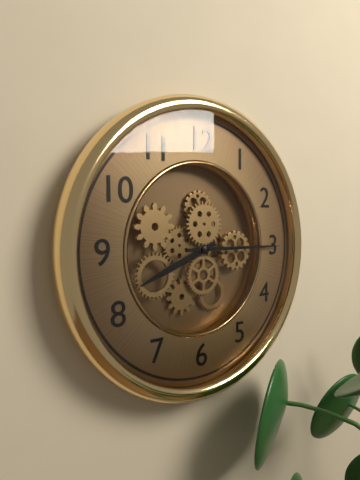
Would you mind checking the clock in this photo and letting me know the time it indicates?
8:15
